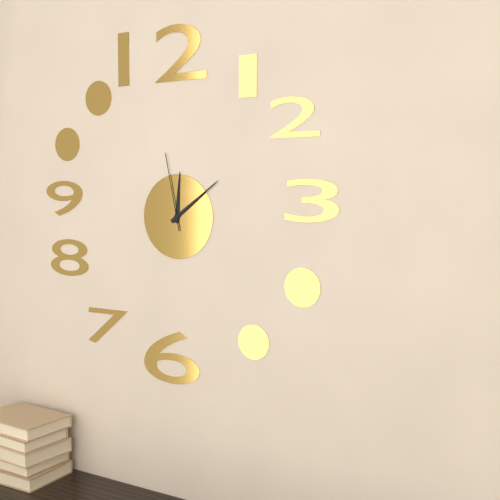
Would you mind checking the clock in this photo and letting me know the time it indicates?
12:09:58
